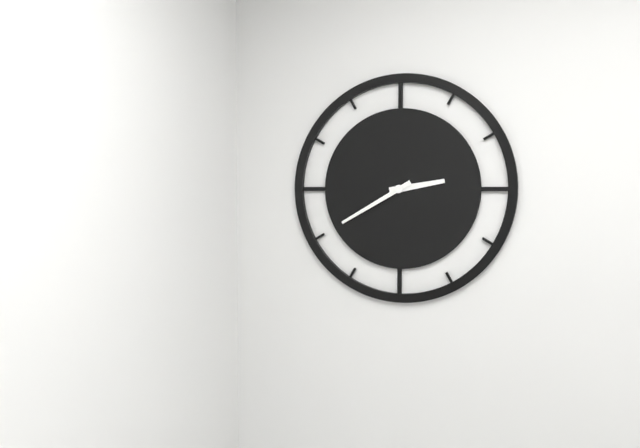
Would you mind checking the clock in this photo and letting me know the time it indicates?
2:40
